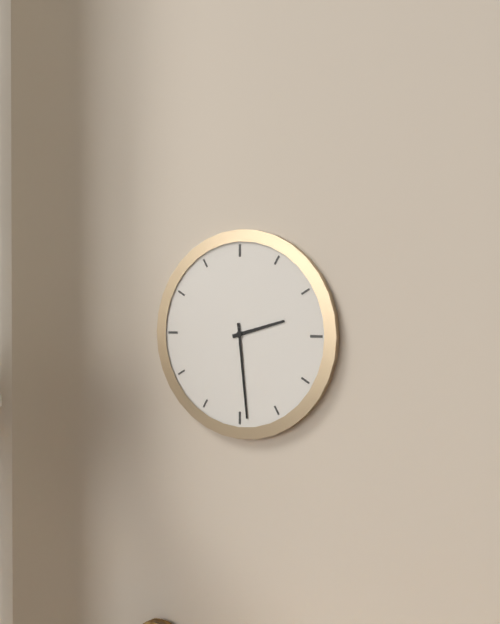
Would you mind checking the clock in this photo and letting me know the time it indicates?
2:29
